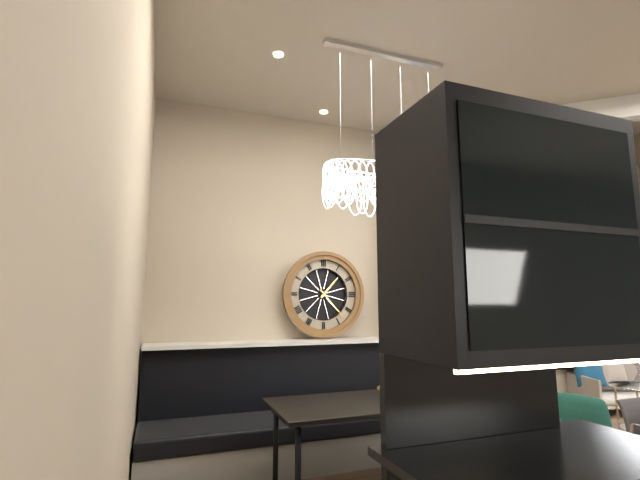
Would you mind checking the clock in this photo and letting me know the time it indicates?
1:23
